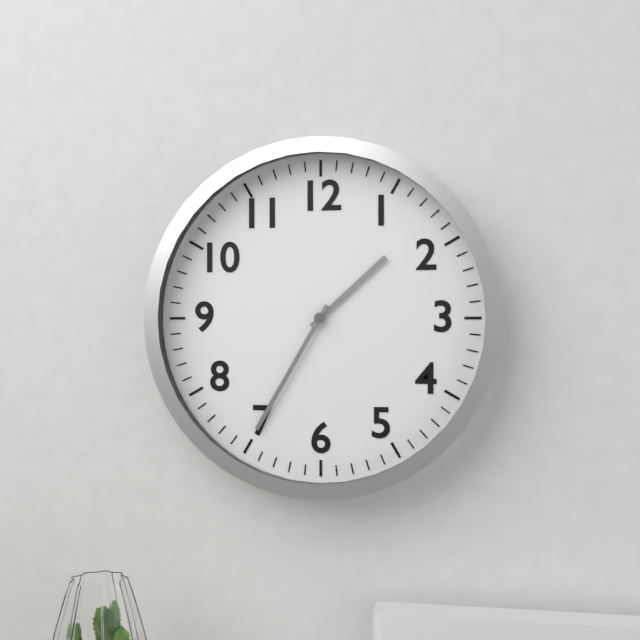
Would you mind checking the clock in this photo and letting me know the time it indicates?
1:35
